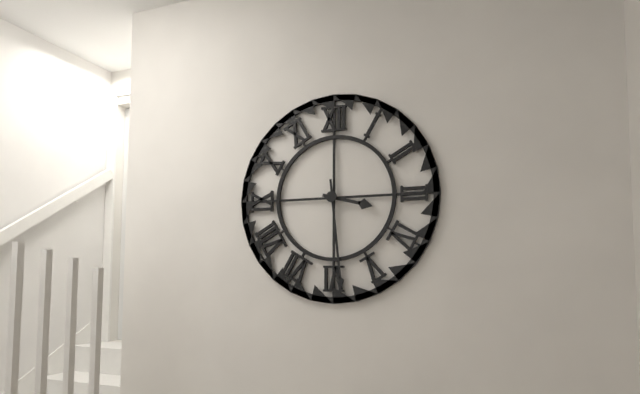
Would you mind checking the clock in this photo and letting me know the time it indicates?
3:29
